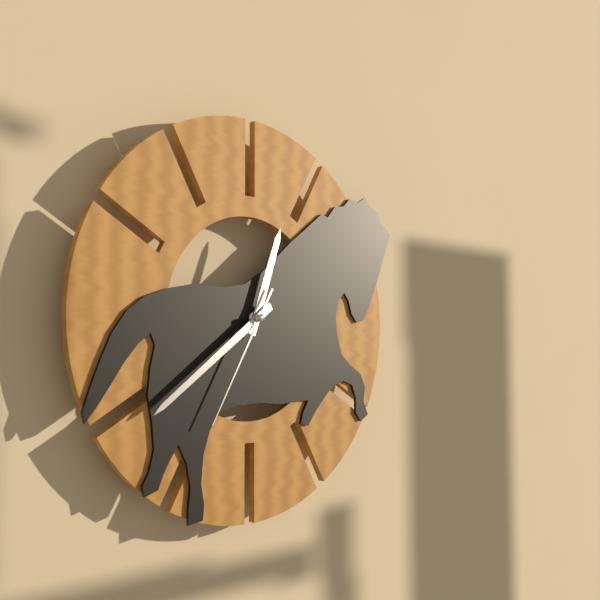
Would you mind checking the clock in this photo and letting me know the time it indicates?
12:39:35
